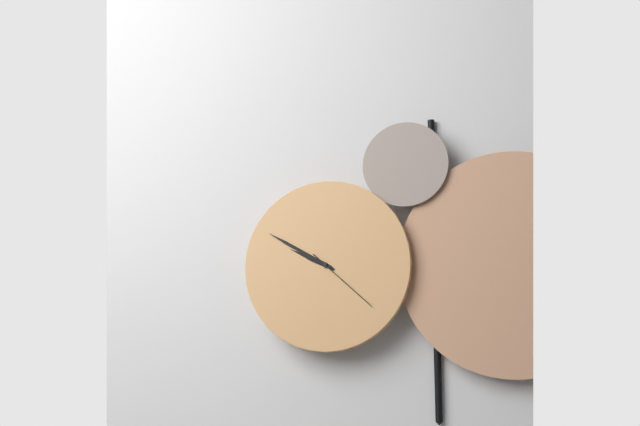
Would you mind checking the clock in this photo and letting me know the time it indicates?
9:50:22
